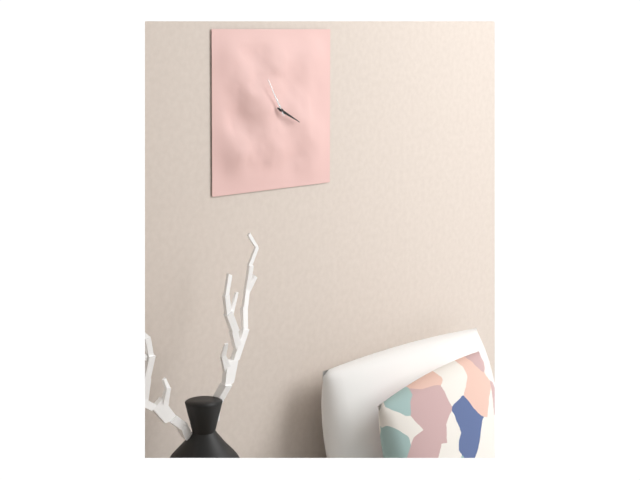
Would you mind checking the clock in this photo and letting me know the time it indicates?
3:55
